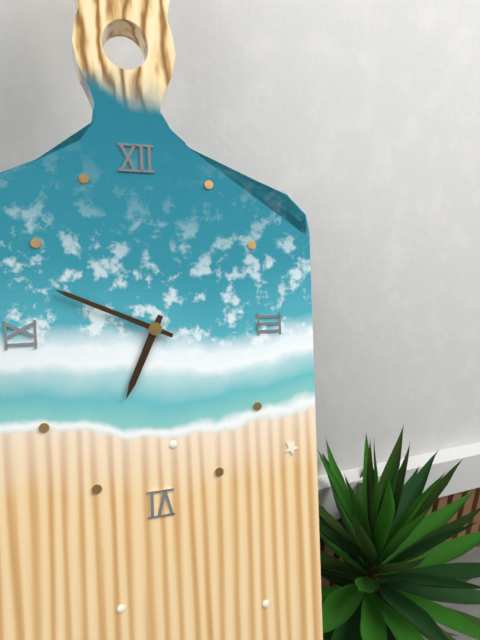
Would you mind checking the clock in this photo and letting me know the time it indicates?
6:49
